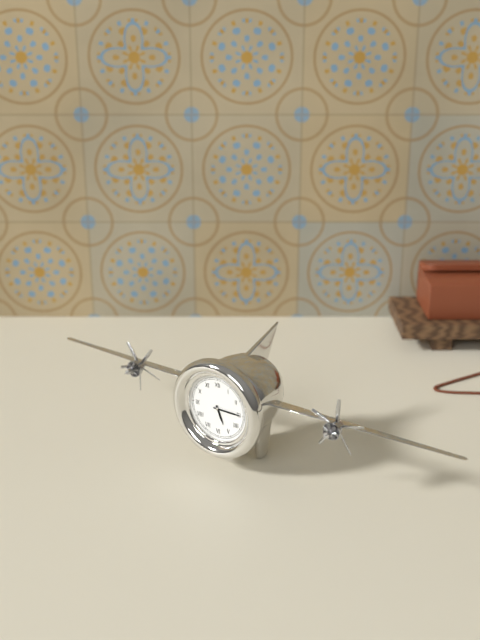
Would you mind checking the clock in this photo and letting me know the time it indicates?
5:15
